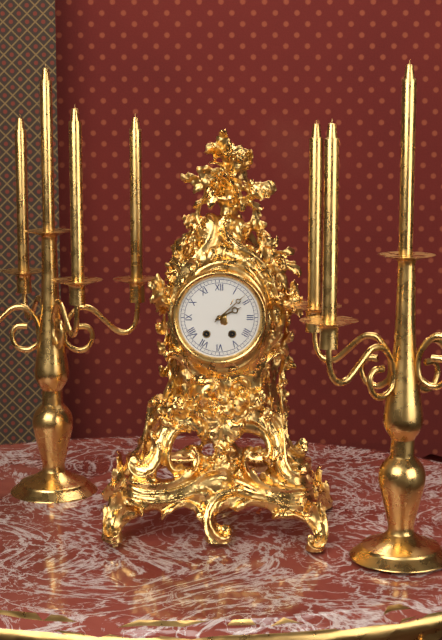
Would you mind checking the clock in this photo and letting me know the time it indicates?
2:08
